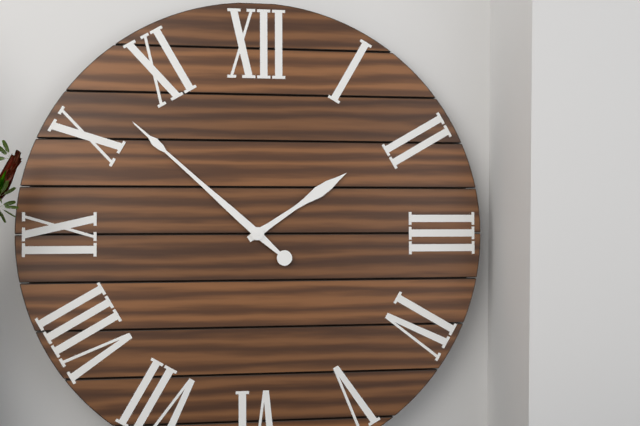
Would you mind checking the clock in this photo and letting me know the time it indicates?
1:52
